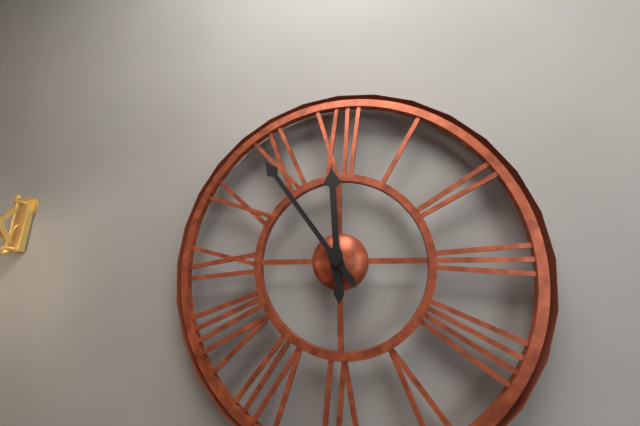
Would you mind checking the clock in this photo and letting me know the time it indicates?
11:54
